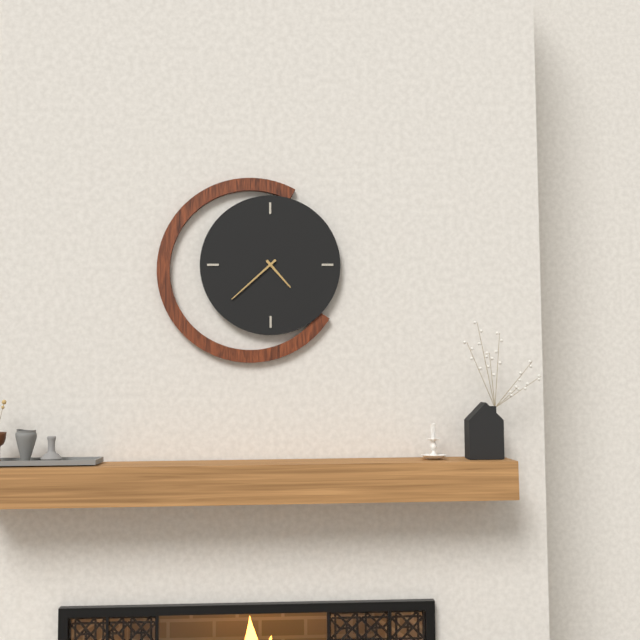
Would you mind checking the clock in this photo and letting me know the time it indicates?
4:38
